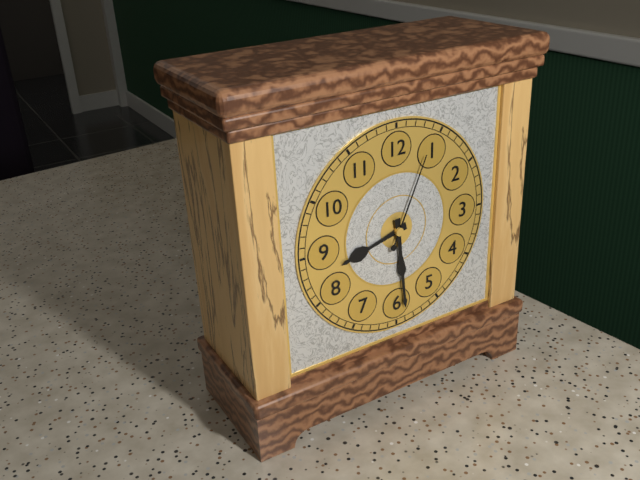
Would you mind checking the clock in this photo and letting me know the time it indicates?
8:29:04
